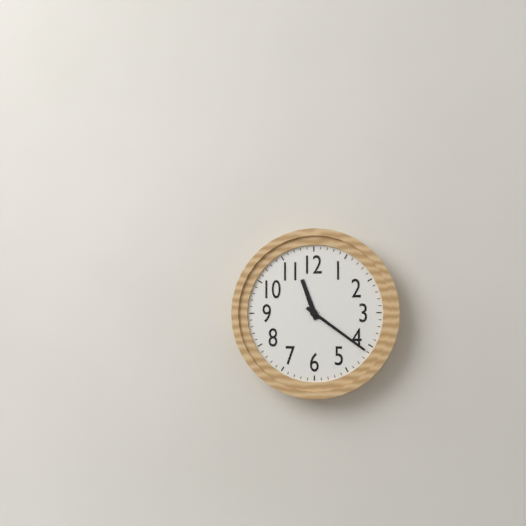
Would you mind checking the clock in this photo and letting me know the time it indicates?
11:21
